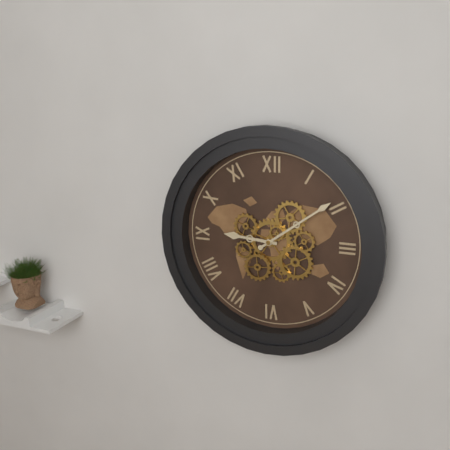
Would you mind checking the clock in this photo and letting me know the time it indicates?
9:09
